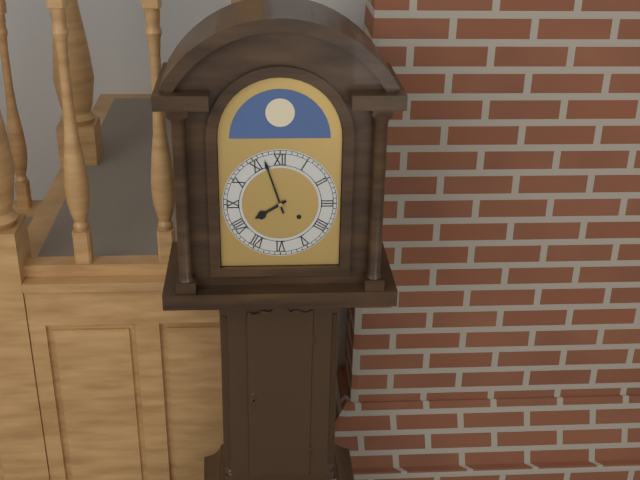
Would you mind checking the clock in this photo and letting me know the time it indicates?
7:57
